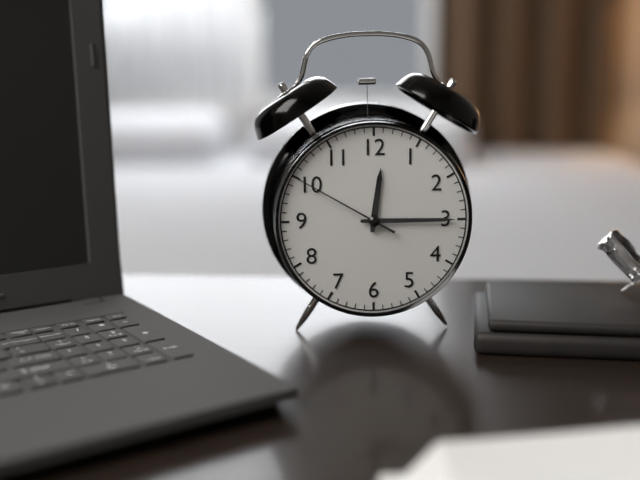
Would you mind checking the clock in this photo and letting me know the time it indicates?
12:15:50
